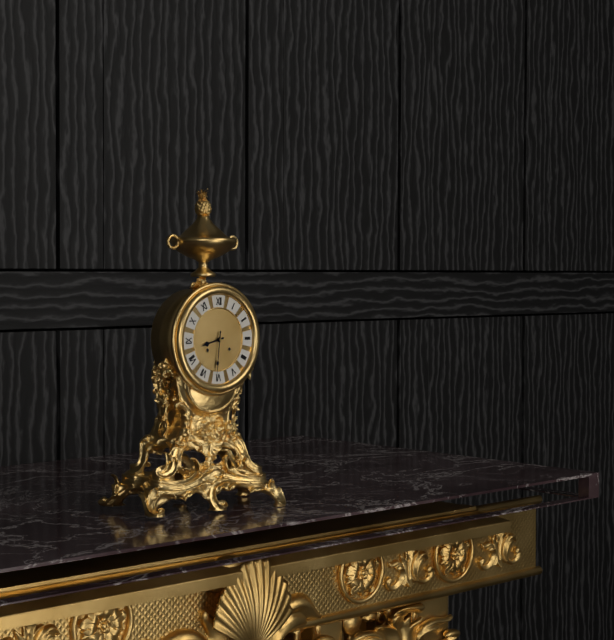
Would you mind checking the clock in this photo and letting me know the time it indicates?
8:31
